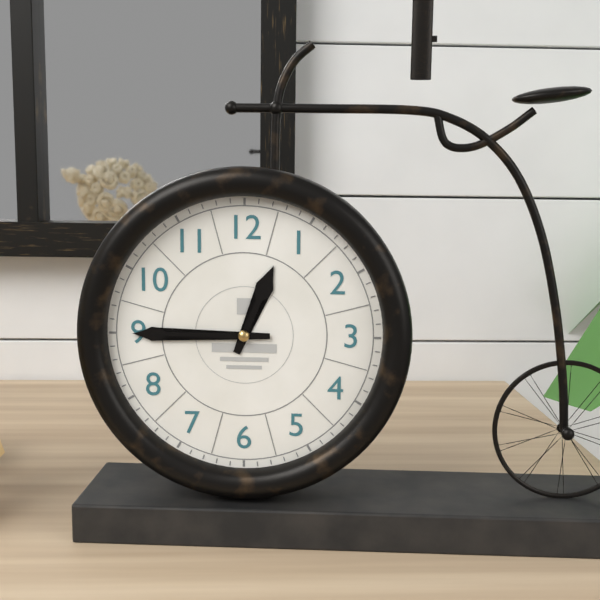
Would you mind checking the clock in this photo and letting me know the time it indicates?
12:45
